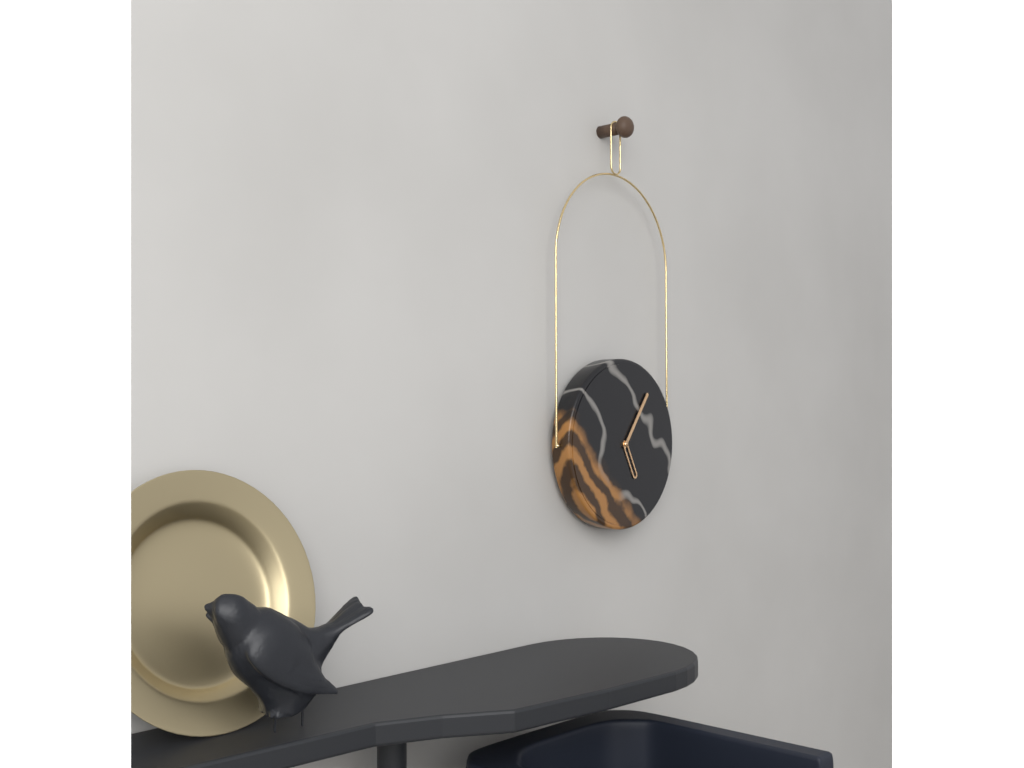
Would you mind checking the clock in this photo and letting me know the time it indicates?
5:06
